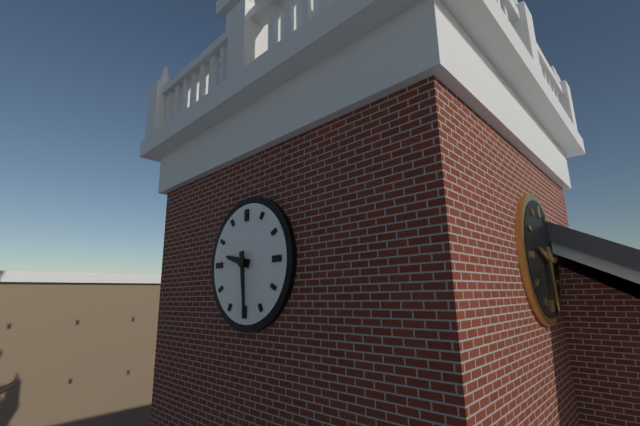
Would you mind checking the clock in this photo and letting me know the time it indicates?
9:29
